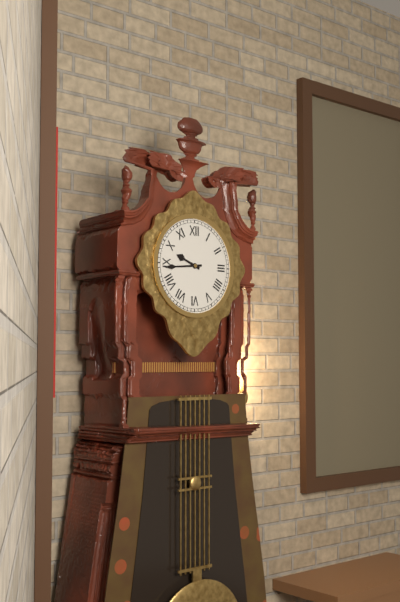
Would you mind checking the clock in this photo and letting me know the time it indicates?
9:44
